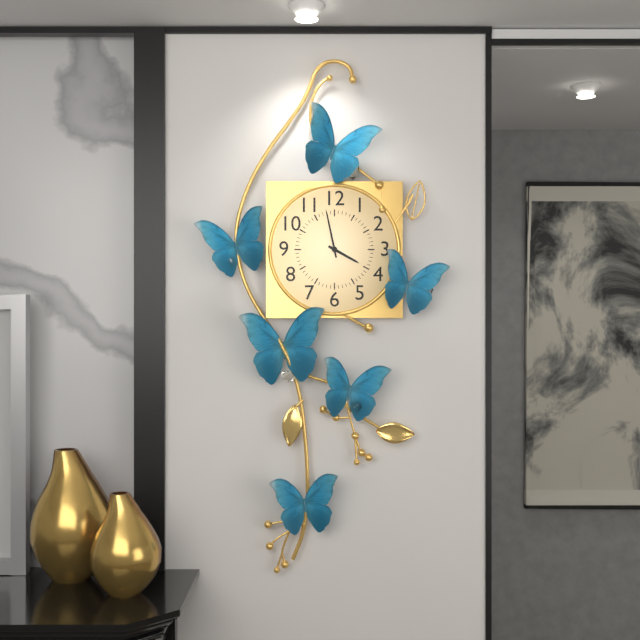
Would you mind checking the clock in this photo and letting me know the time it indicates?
3:58
